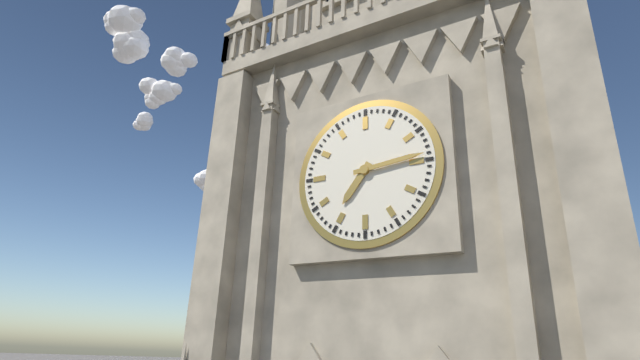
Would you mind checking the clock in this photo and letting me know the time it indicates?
7:14
